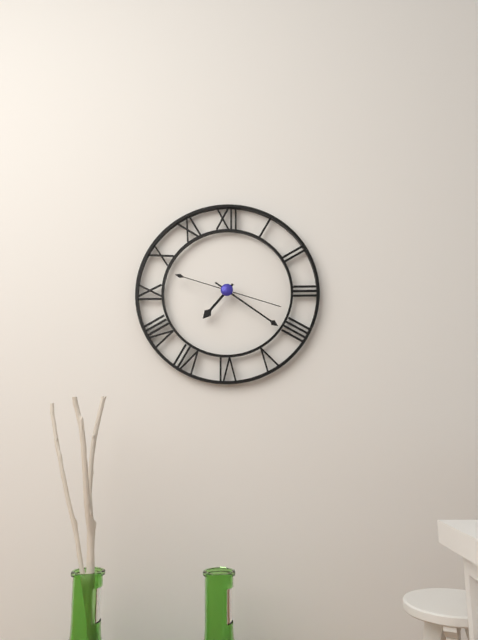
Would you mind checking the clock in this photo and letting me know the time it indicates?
7:21:18
